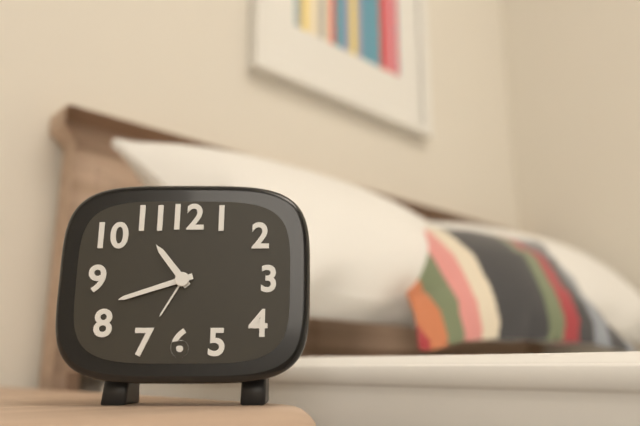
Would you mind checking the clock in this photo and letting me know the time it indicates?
10:42
